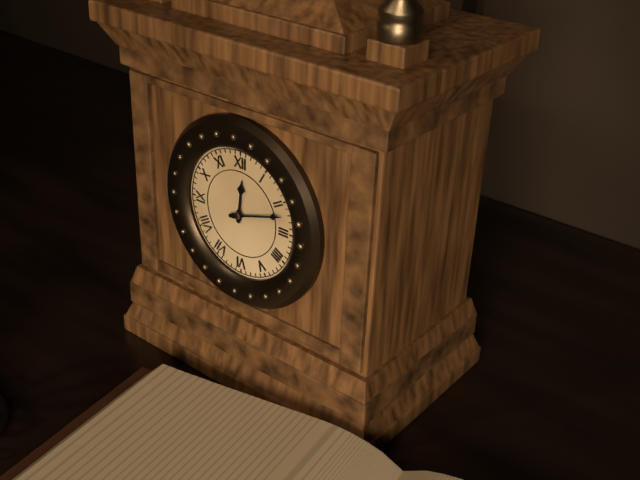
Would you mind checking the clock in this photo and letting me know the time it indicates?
12:12
